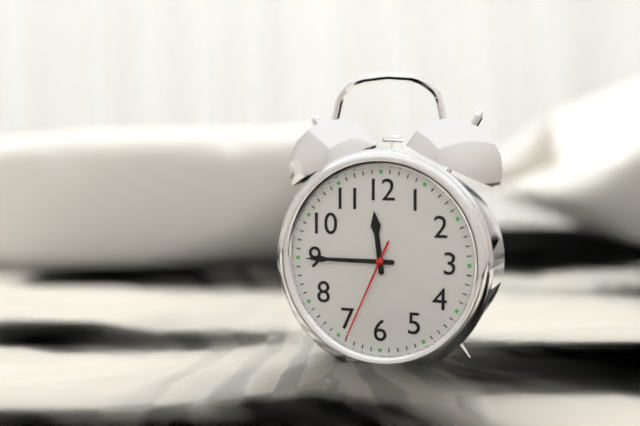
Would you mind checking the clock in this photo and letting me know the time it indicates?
11:45:34
